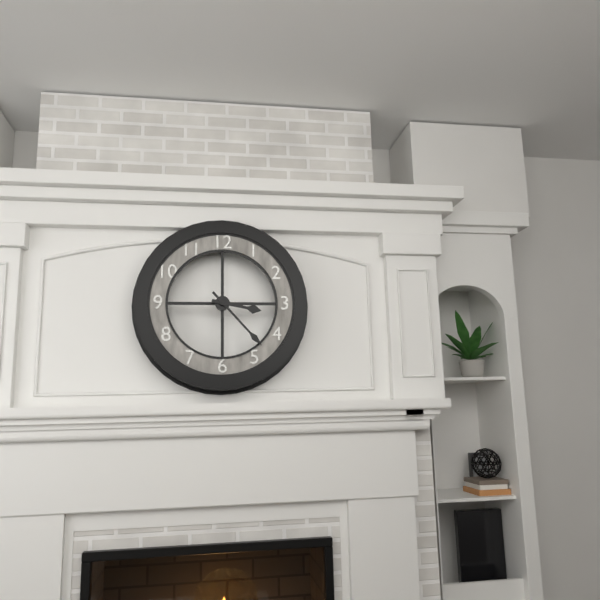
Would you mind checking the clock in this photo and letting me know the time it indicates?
3:23
